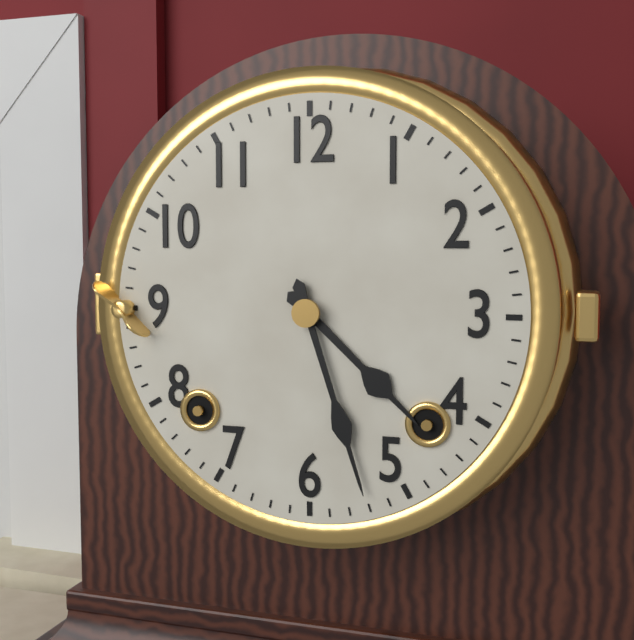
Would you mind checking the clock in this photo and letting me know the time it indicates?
4:27
